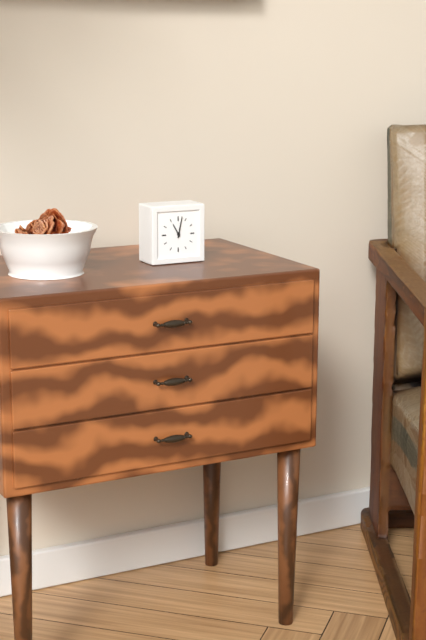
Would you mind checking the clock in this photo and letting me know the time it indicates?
11:02
